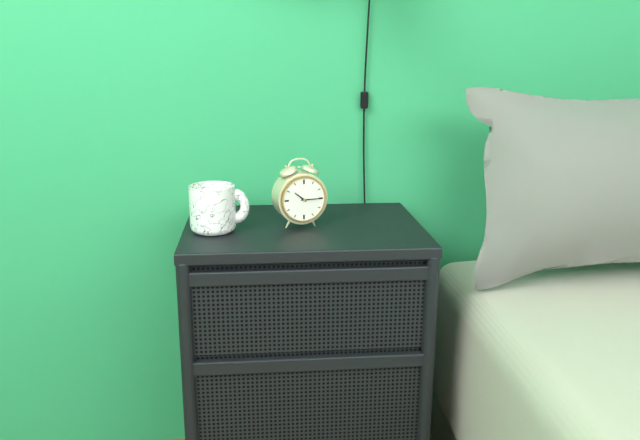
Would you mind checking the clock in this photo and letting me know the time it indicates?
10:15
